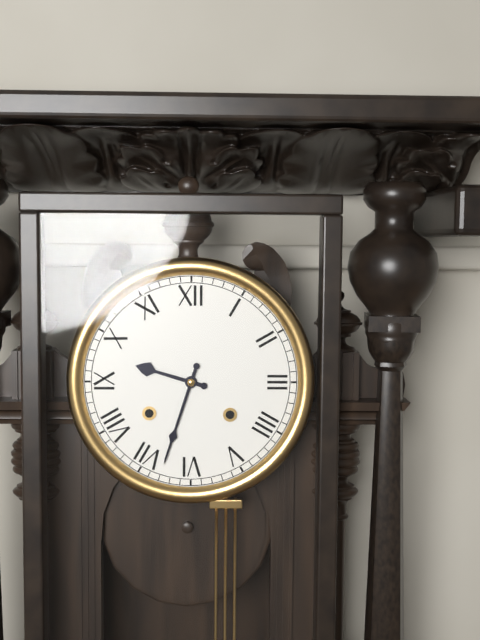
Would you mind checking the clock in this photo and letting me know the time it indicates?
9:33
